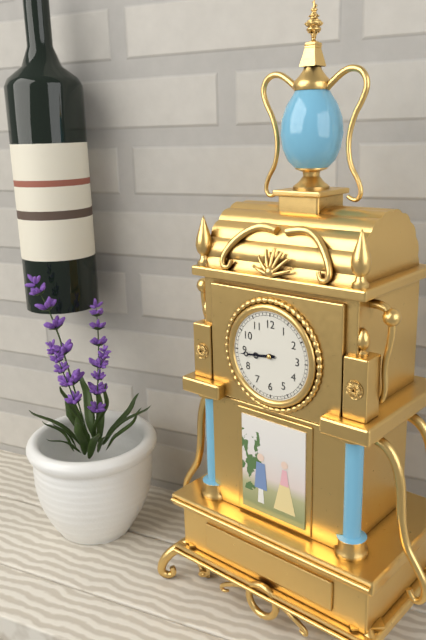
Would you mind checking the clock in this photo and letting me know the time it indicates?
8:44
